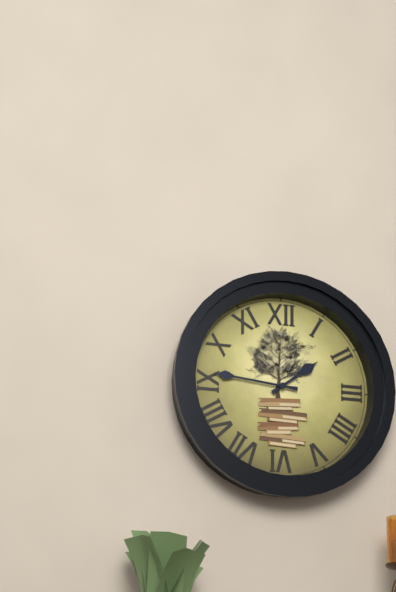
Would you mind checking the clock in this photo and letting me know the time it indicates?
1:46
